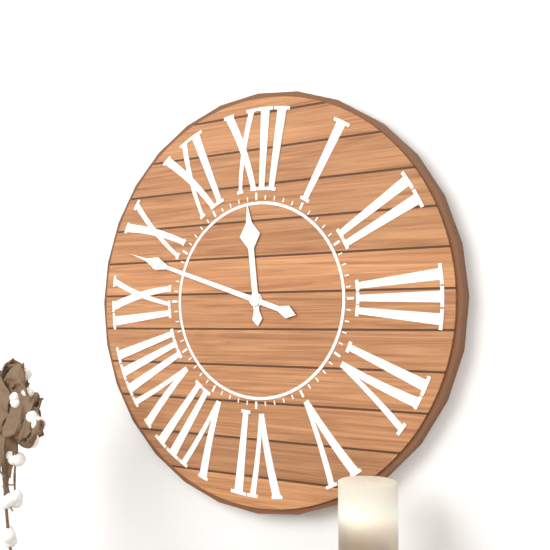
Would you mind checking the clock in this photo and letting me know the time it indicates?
11:48
